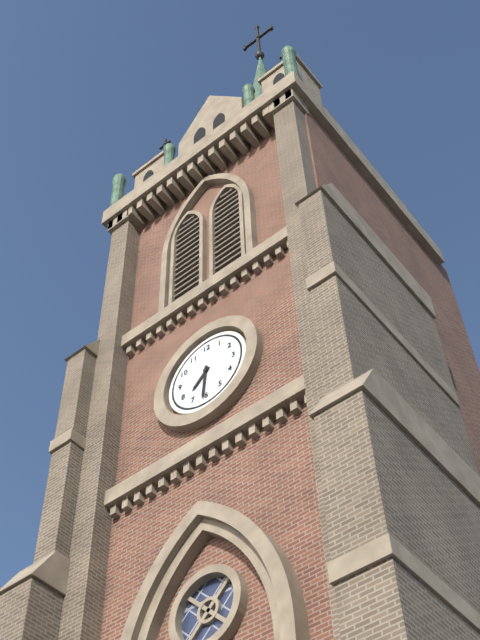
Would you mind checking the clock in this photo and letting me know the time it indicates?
7:31
